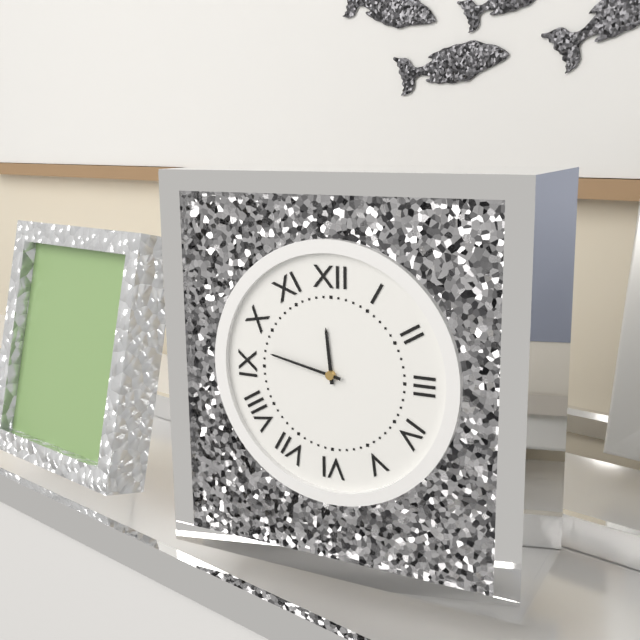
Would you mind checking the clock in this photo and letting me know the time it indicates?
11:47
